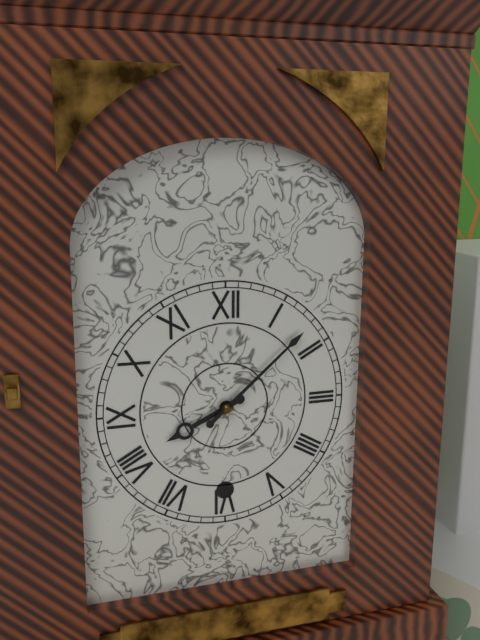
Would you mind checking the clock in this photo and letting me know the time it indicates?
8:08
